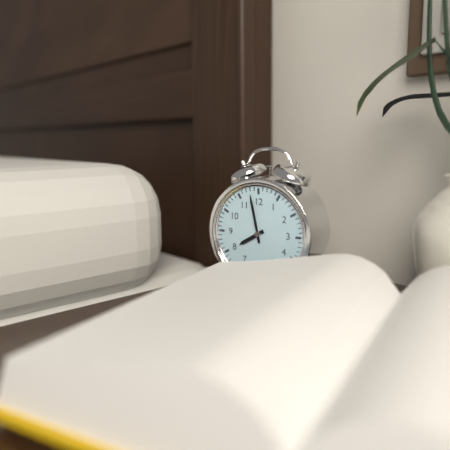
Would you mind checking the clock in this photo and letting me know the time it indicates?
7:58
